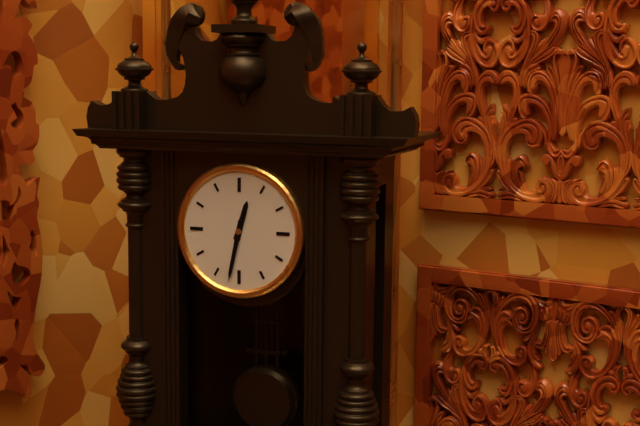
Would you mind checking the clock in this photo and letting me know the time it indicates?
12:32
